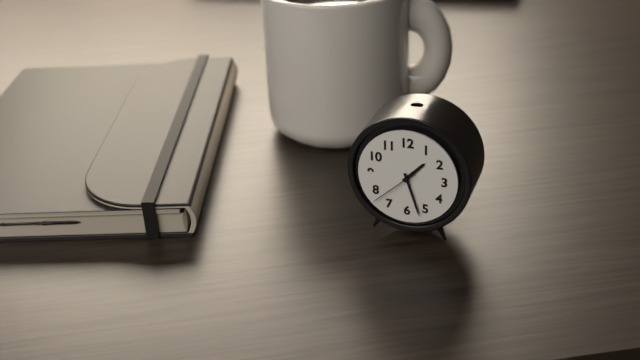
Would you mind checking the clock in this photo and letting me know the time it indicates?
1:27:38
